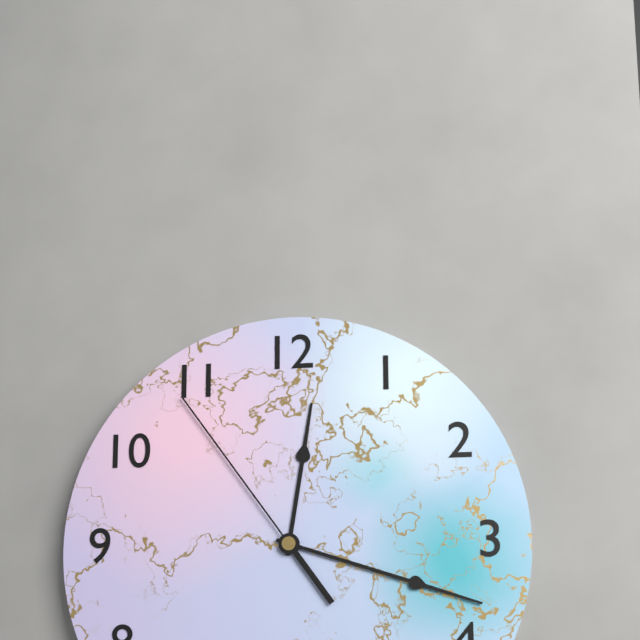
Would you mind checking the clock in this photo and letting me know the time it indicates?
12:18:54
